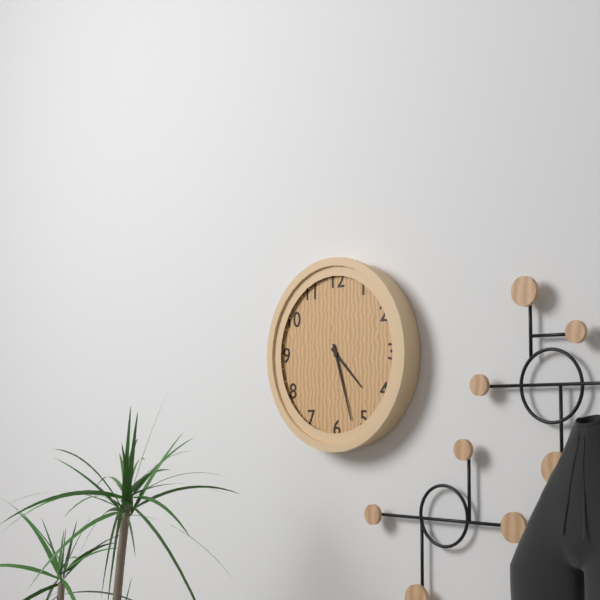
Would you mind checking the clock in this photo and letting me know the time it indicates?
4:27
